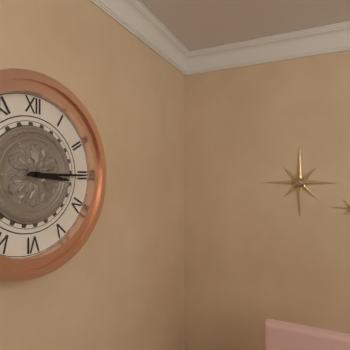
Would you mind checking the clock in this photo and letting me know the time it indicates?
3:15
